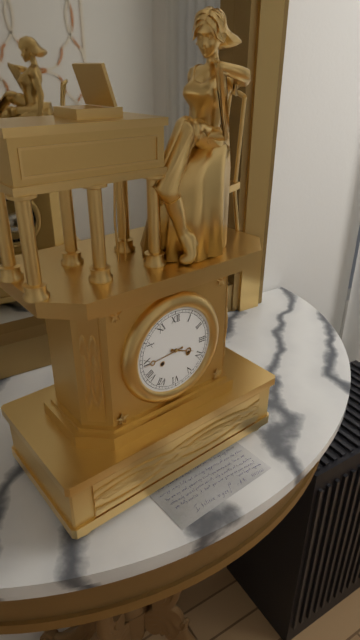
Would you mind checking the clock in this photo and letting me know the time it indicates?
3:44
